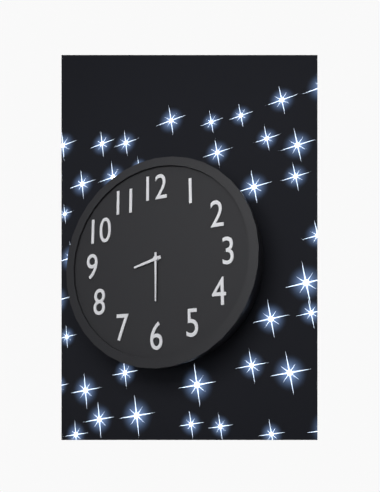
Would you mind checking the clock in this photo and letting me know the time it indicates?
8:30
